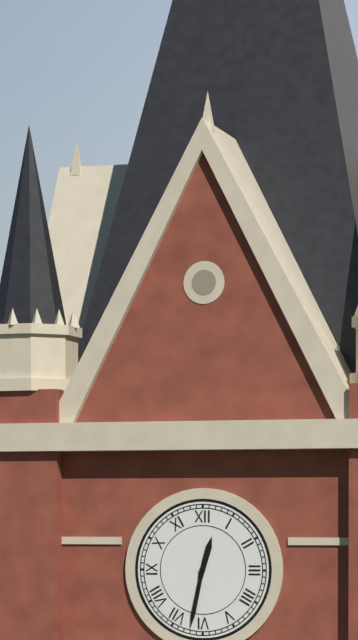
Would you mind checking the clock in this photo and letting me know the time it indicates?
12:32
